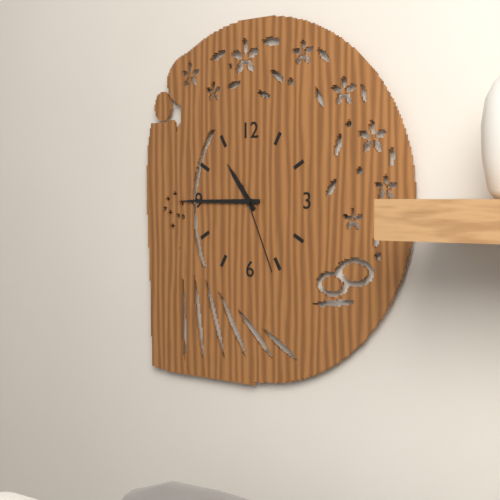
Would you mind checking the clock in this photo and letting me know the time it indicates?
10:45:26
